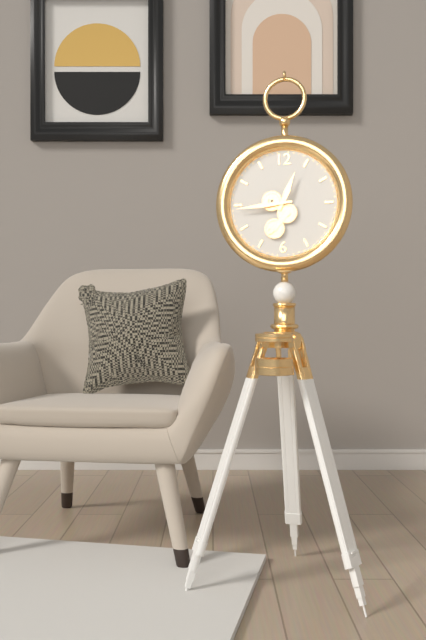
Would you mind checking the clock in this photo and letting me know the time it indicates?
12:44
